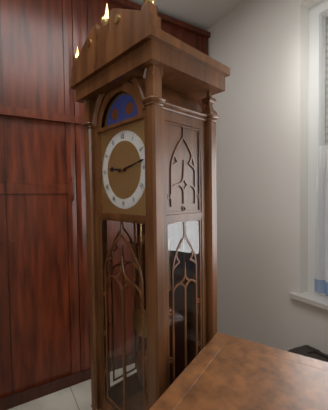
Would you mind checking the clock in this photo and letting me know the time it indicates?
9:13
